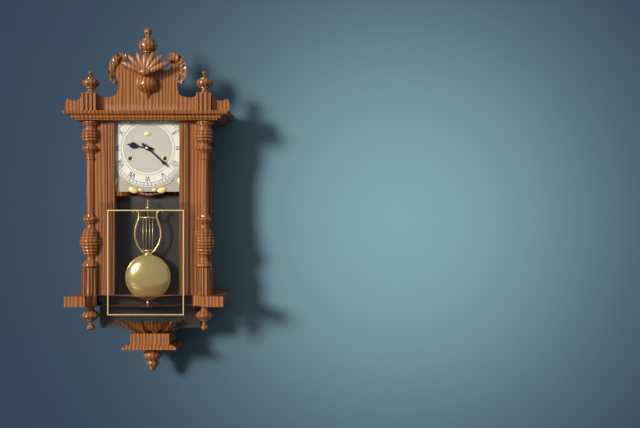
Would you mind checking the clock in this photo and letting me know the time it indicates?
9:22
